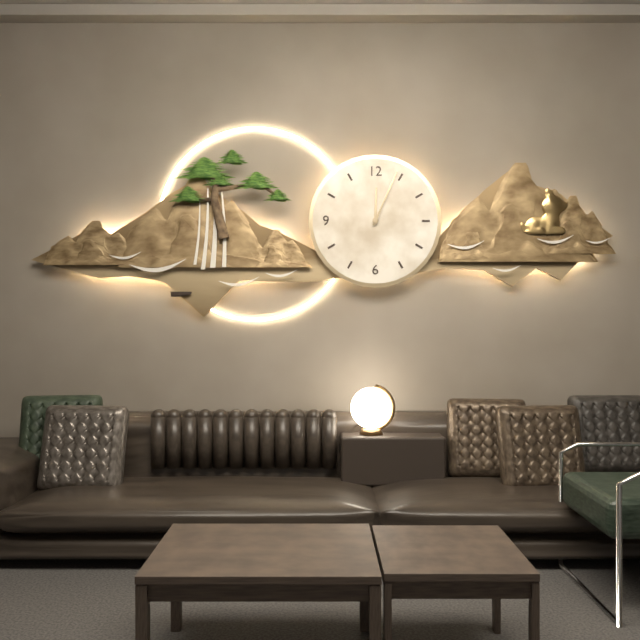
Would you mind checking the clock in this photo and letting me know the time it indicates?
12:04
